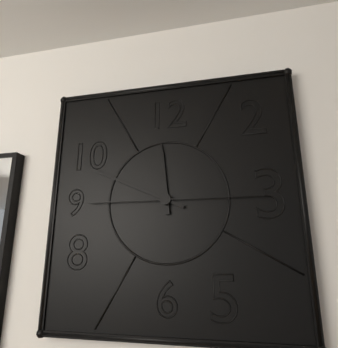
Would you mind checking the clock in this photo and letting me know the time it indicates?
11:49:15
